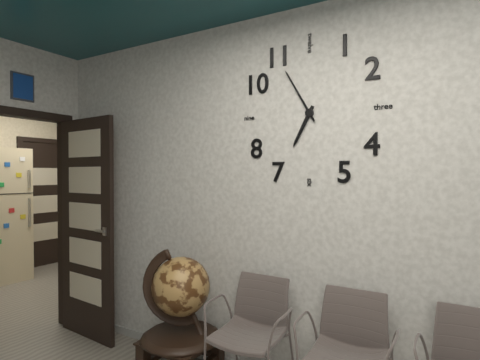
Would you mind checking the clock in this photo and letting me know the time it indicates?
6:55
